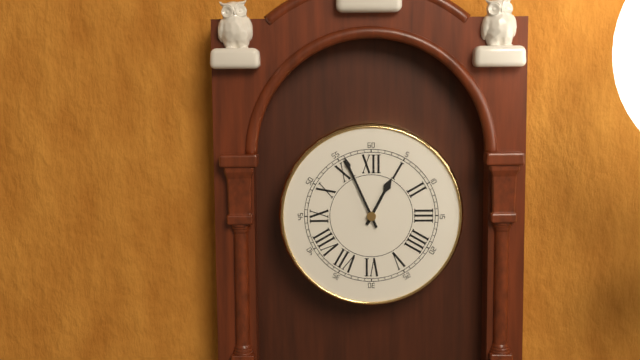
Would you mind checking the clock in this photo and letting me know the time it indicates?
12:56
